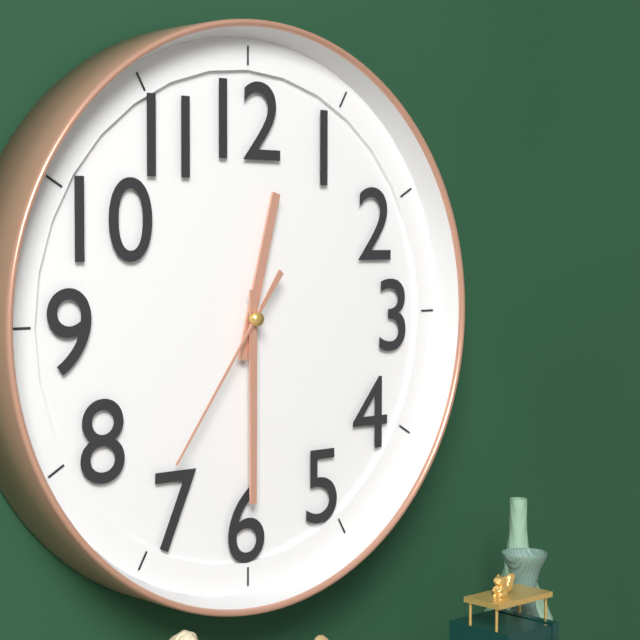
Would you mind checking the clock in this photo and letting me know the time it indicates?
12:30:36
